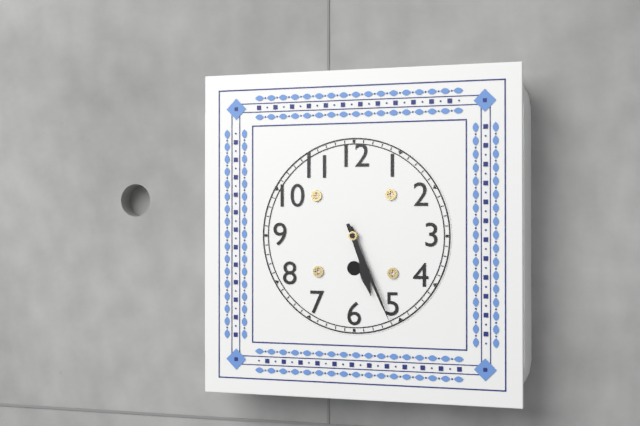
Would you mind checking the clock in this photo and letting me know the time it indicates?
5:26
